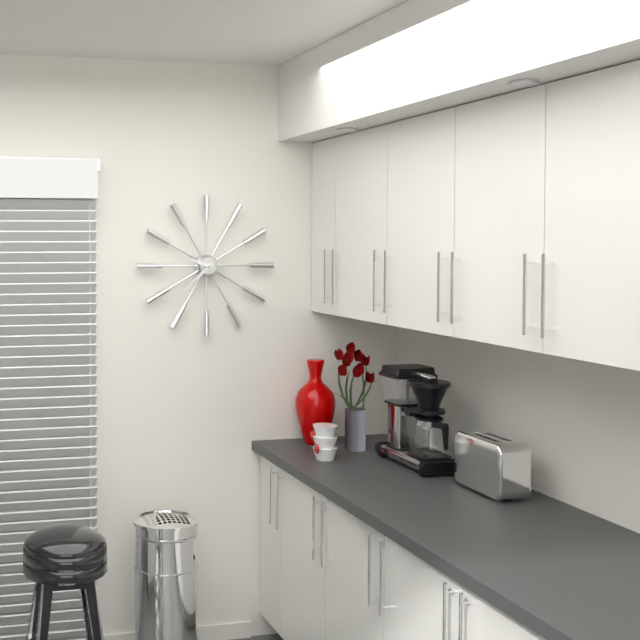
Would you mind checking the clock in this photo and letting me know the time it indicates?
9:38
